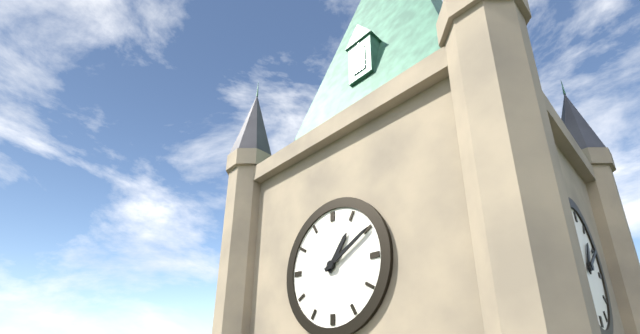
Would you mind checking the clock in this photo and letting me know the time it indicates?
1:10
